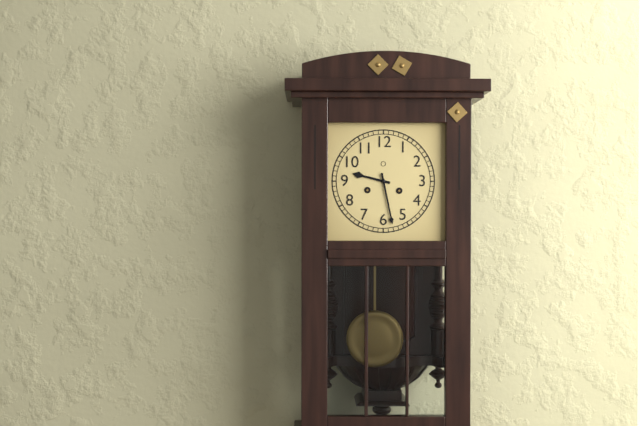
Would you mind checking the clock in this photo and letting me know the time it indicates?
9:28
